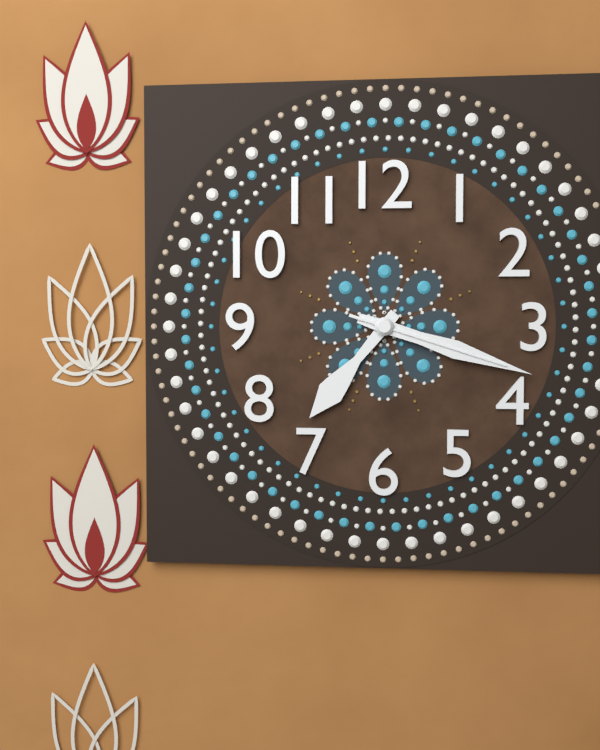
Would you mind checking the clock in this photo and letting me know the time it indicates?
7:18:18
